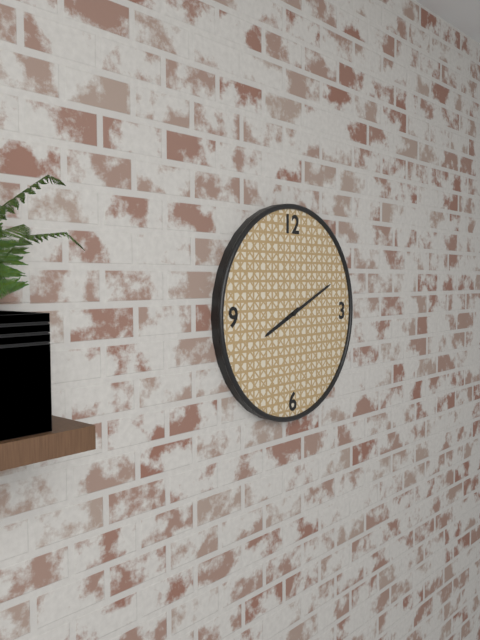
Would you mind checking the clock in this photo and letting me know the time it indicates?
8:11
